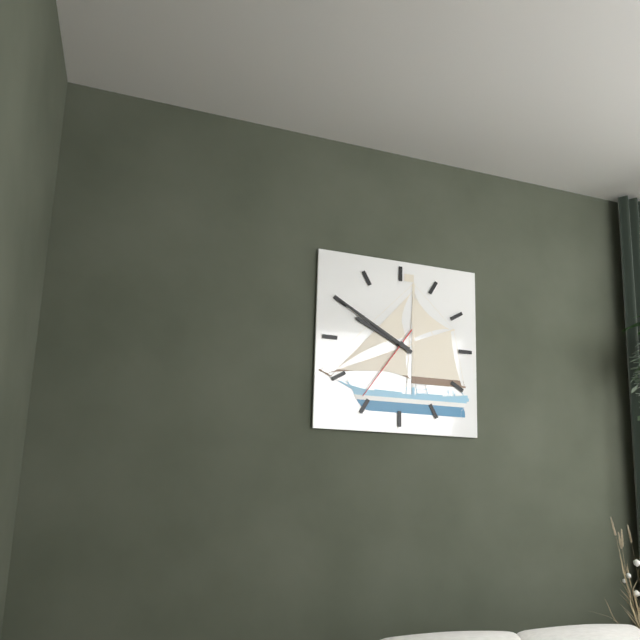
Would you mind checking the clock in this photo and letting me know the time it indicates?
9:50:36
